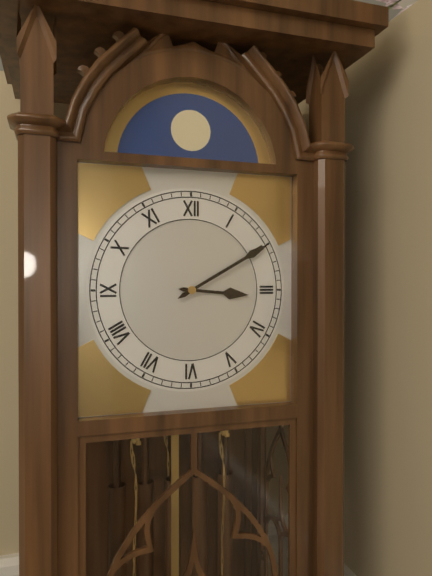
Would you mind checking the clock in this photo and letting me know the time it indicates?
3:10
